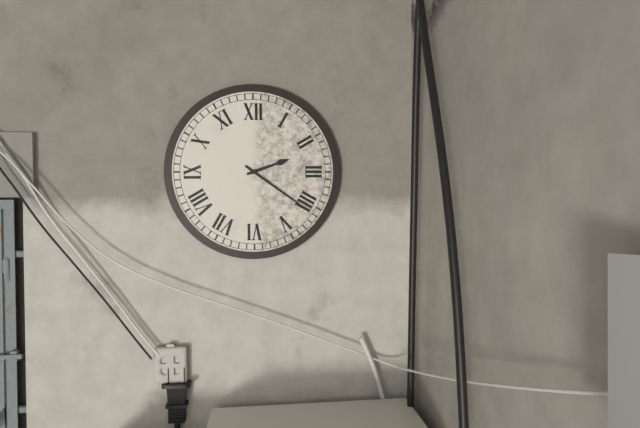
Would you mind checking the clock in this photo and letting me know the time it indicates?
2:21
